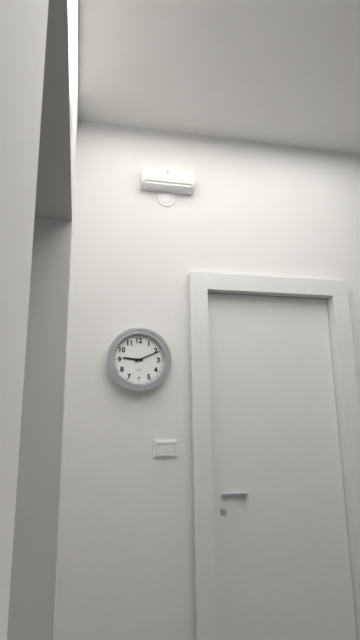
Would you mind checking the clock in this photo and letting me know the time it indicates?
9:11
